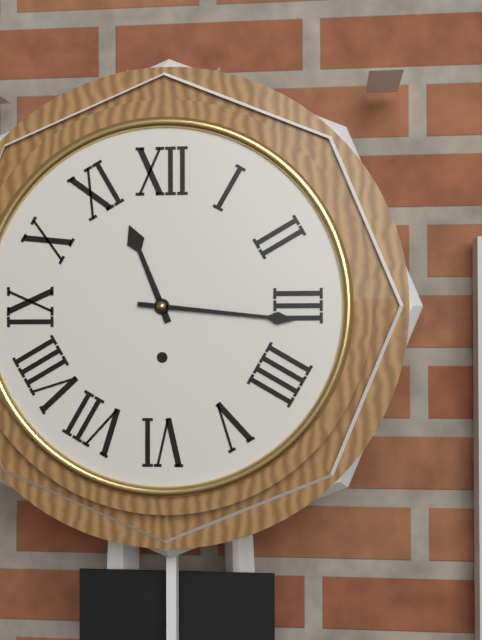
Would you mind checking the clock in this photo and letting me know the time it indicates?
11:16
